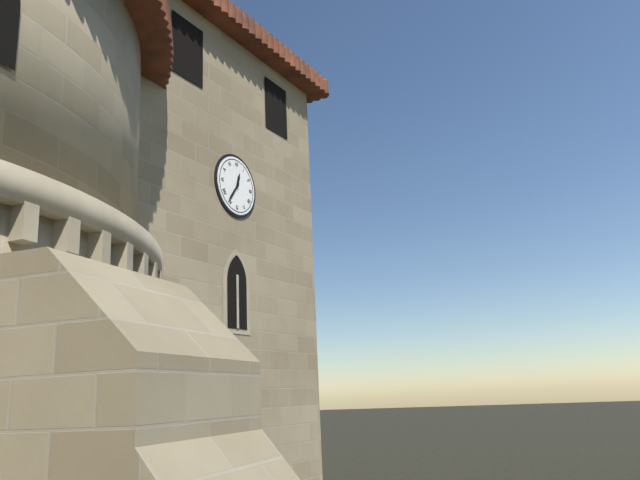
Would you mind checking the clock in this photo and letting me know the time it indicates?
12:36
